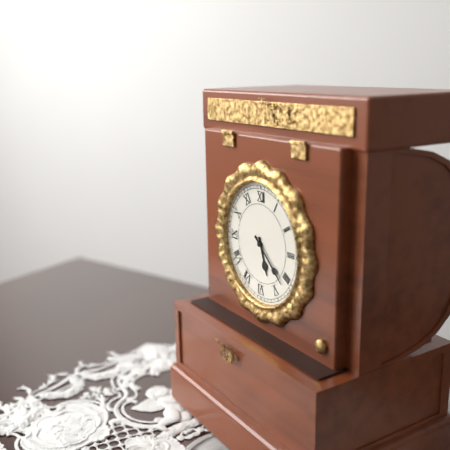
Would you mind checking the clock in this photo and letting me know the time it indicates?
5:22
